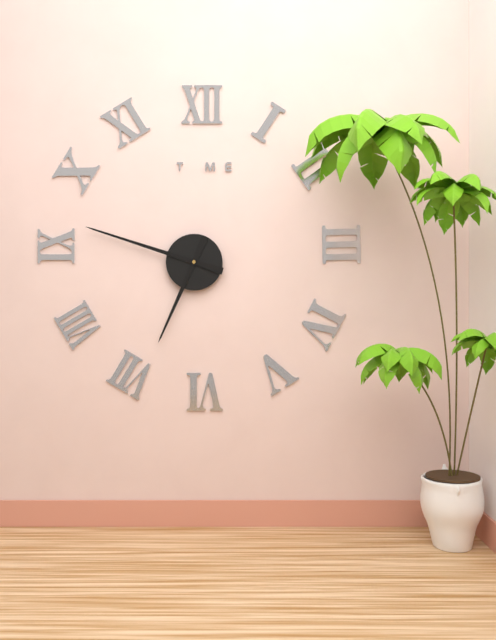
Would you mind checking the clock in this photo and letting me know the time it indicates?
6:48
